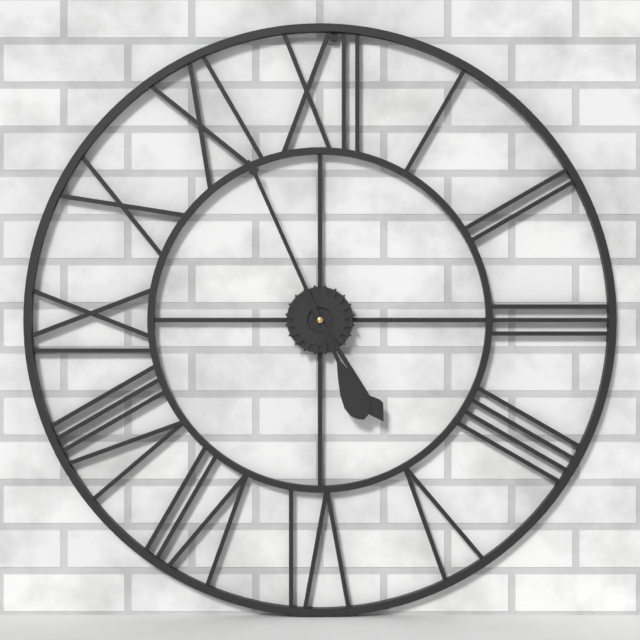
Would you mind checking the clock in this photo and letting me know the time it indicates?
4:56
